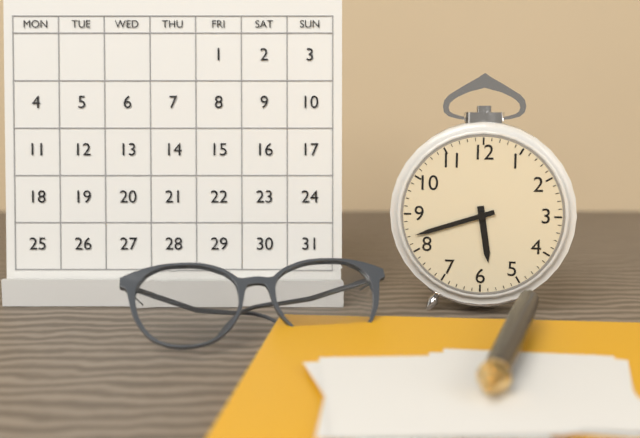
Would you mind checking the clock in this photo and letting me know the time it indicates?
5:42
